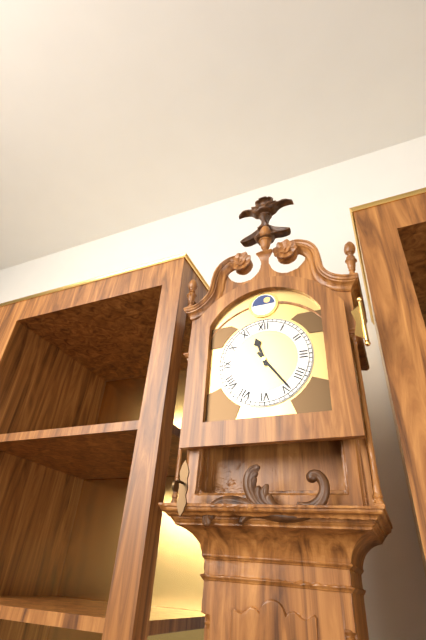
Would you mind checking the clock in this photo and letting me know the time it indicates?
11:24
